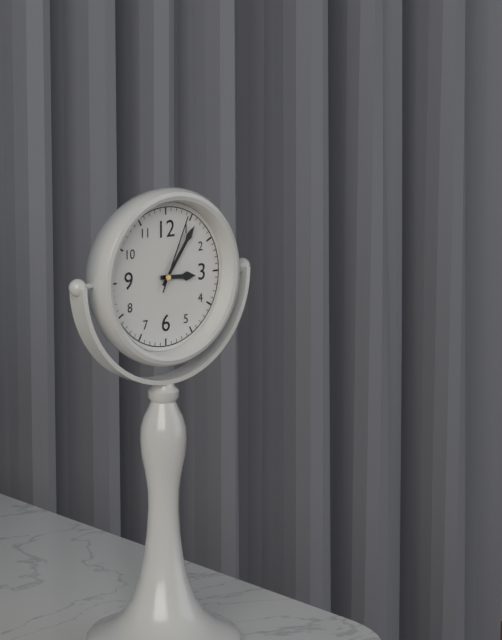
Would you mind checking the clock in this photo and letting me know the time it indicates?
3:06:04
